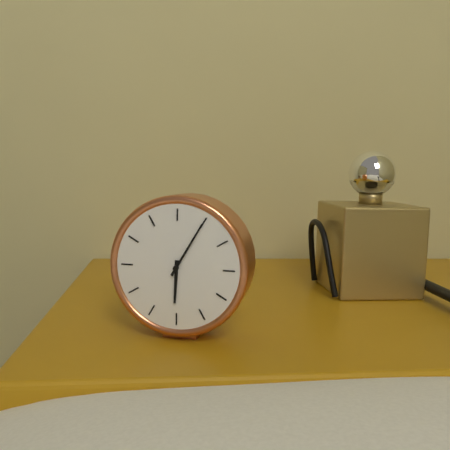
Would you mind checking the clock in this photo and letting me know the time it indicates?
6:05
